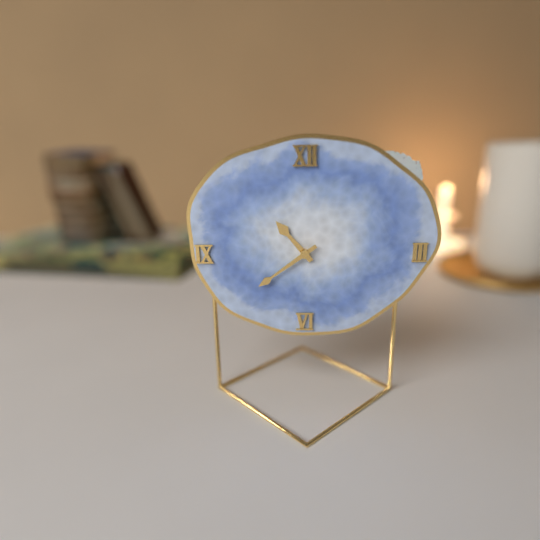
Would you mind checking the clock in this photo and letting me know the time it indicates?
10:39
